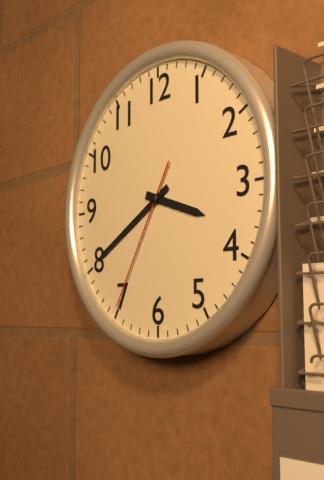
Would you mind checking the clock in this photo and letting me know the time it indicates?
3:40:35
